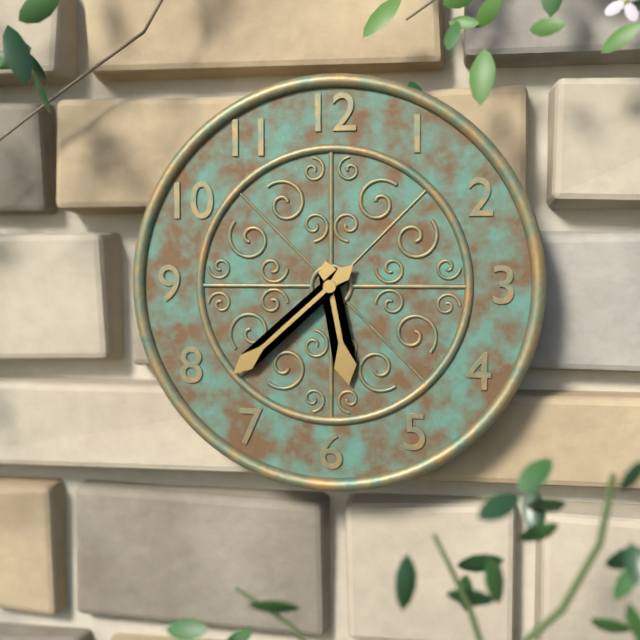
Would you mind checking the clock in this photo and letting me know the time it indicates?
5:38
